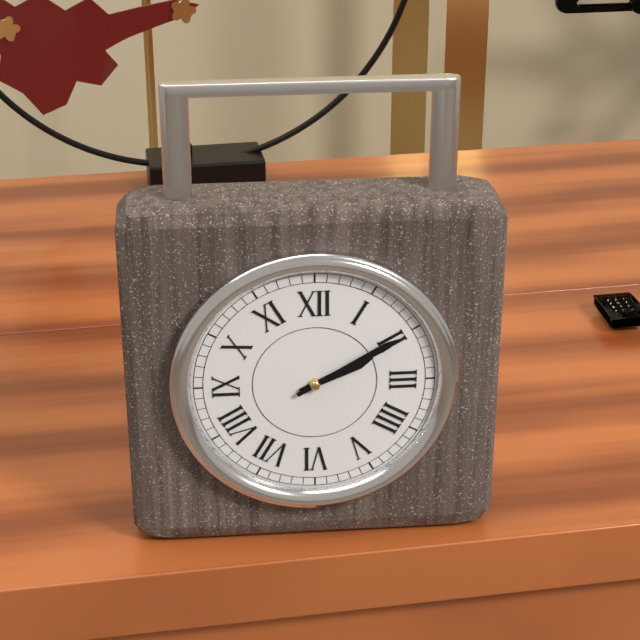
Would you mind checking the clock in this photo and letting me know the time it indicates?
2:10
